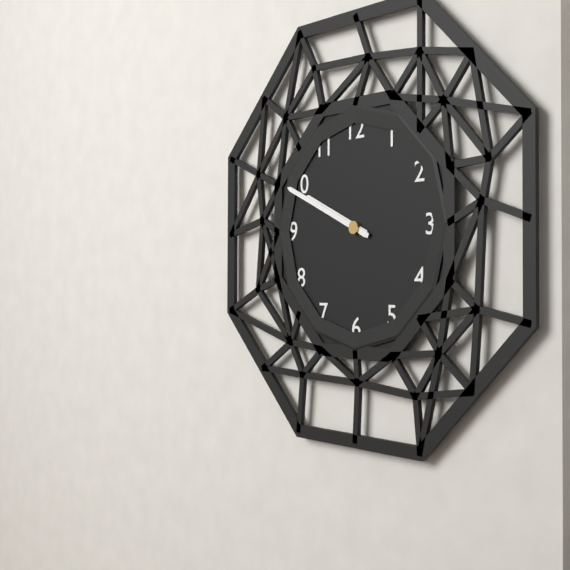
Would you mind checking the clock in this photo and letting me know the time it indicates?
9:49
